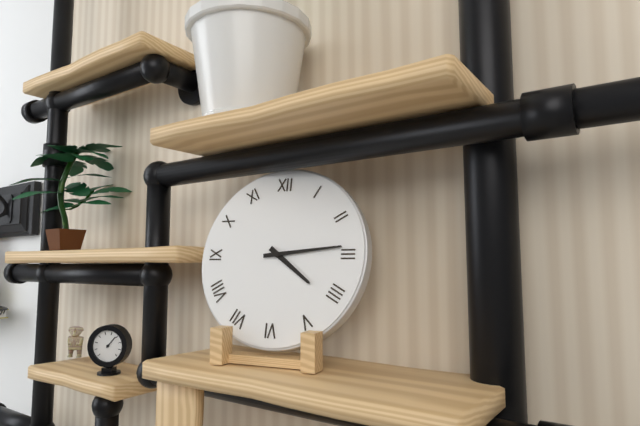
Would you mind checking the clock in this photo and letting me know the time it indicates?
4:14
